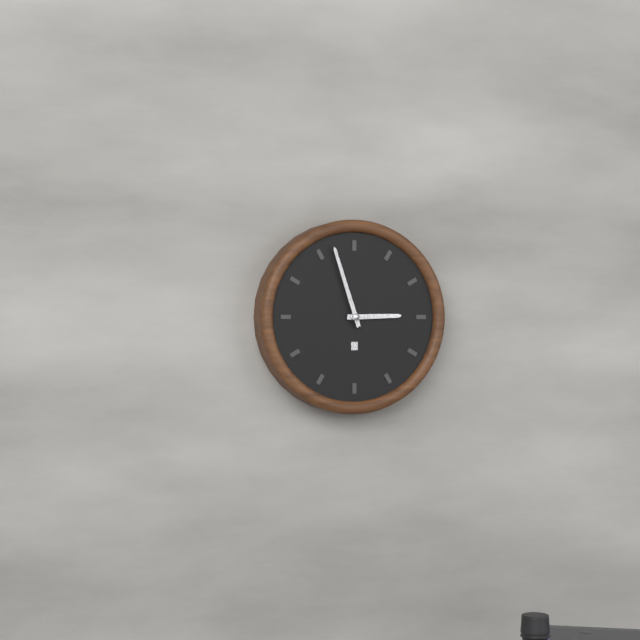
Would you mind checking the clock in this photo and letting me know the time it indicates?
2:57
